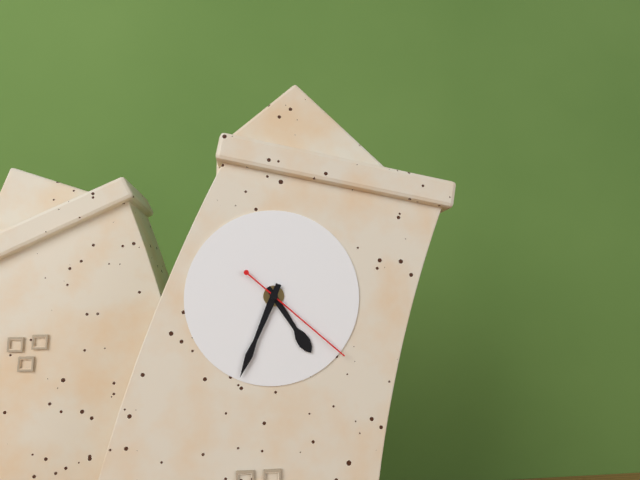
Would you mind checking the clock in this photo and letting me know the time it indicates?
4:32:20
